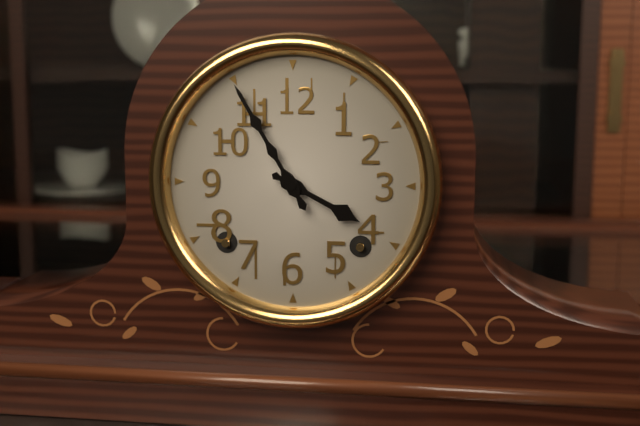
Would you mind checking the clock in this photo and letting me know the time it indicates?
3:55
